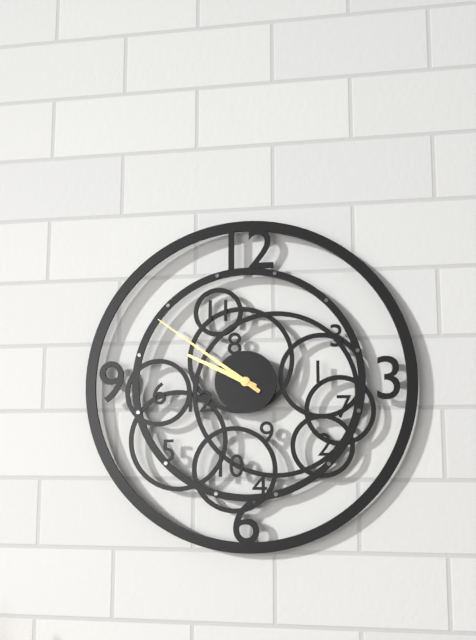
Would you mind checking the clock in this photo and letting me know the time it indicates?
9:51
